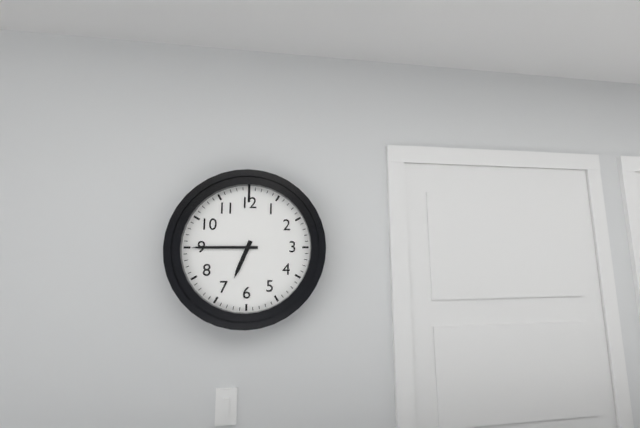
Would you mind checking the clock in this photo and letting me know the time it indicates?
6:45
